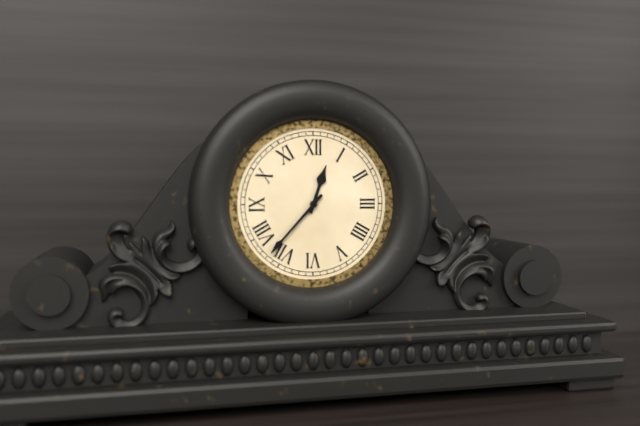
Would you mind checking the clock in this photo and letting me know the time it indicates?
12:37
